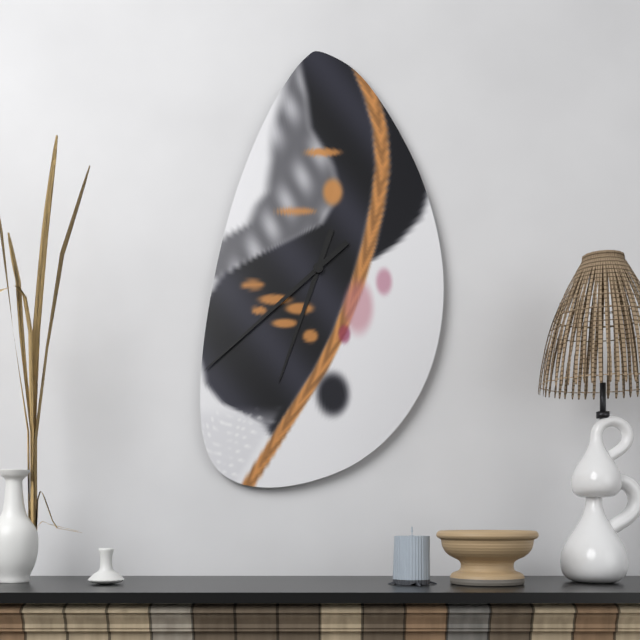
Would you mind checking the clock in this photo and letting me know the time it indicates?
6:38
